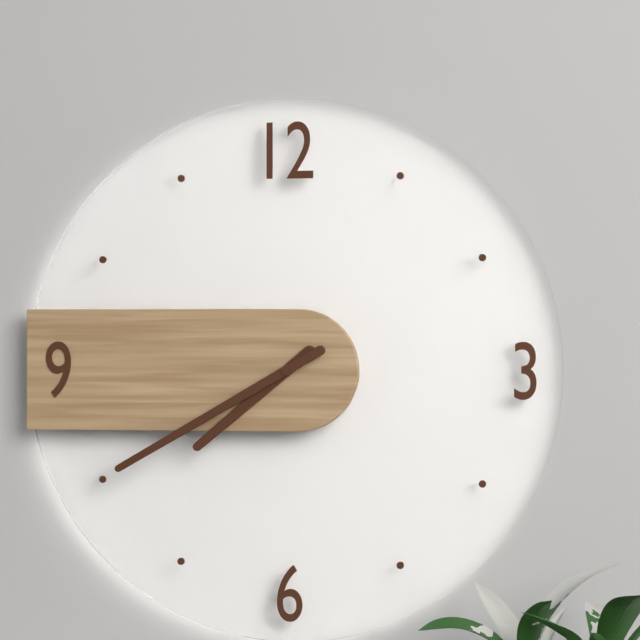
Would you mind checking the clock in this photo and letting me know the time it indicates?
7:40
